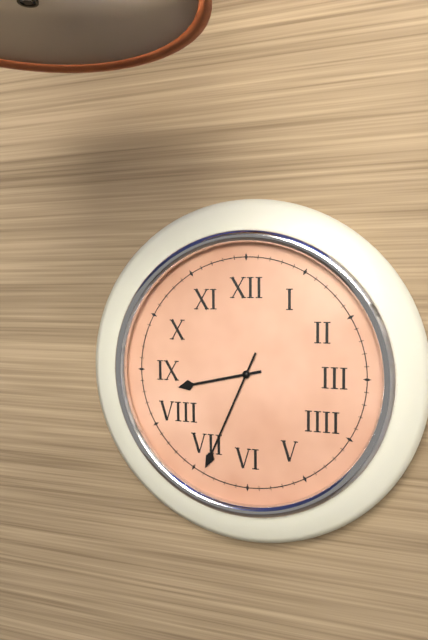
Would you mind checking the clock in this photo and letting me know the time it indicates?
8:34
